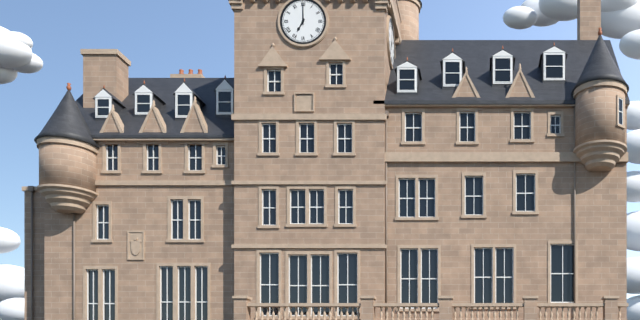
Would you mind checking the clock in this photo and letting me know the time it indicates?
7:00
